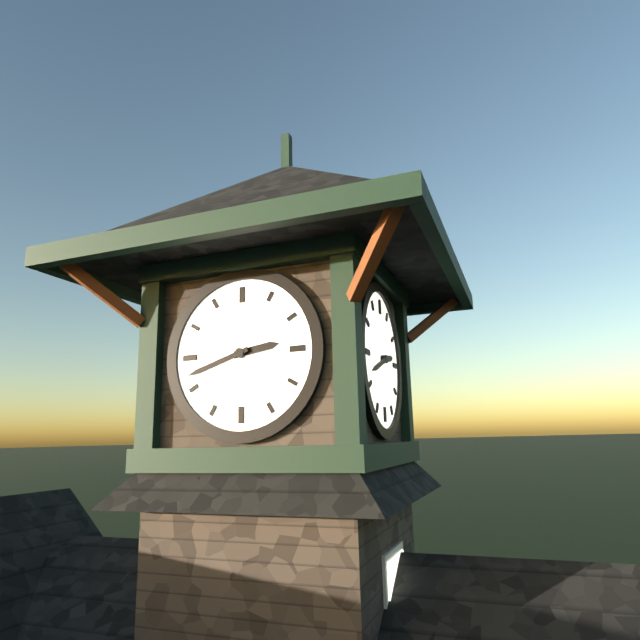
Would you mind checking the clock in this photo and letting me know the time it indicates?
2:42
